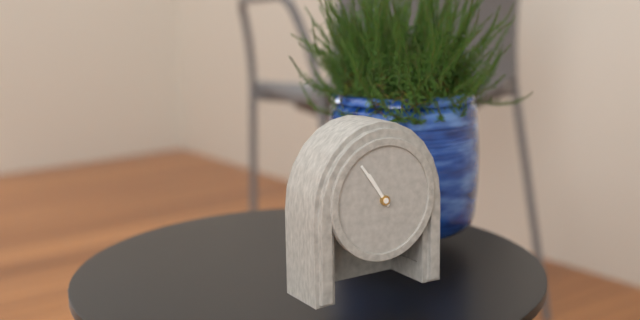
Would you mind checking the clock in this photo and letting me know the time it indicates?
10:54
